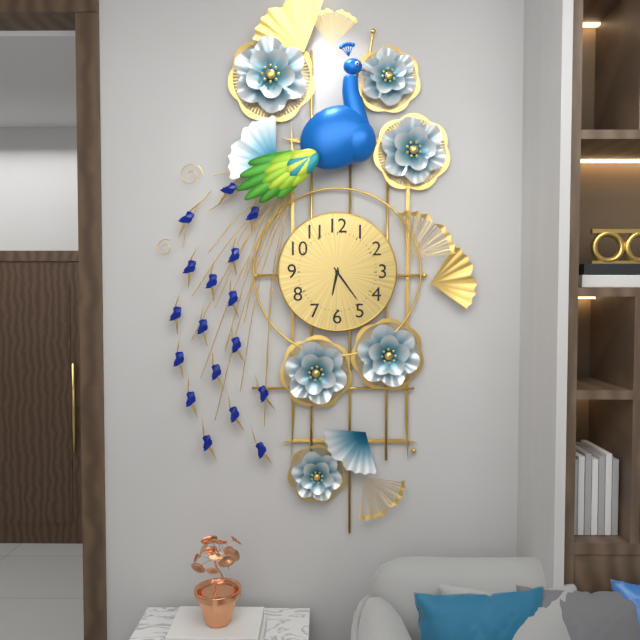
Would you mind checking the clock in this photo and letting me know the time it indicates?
6:24
